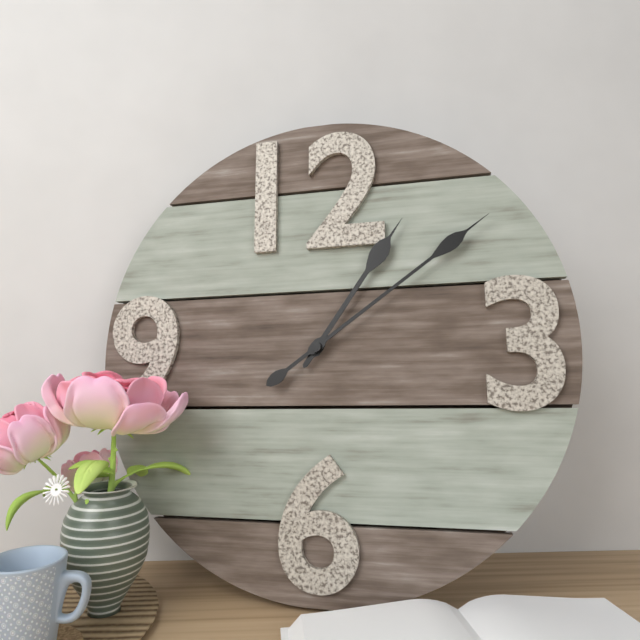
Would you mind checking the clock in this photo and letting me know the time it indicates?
1:09
